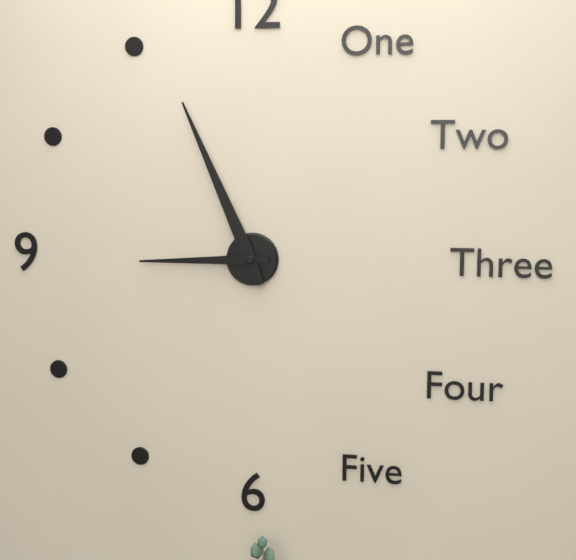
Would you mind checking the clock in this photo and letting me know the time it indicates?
8:56
